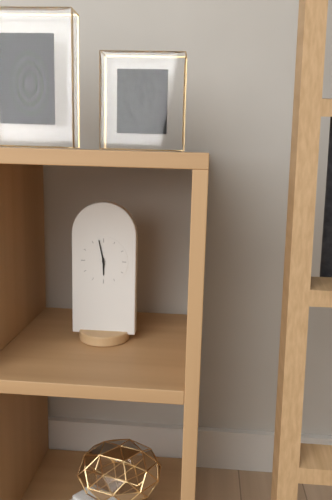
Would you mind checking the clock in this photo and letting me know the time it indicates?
5:58
